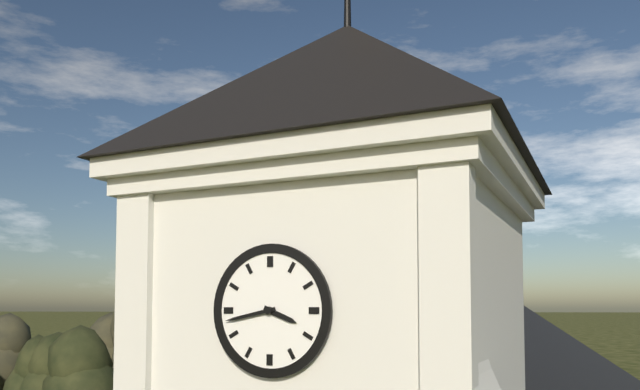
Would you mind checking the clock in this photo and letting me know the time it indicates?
3:43
